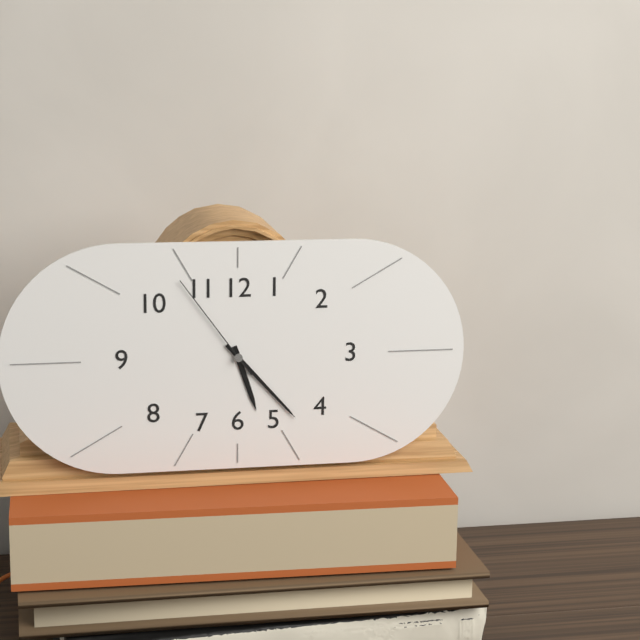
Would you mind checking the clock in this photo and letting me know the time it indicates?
5:23:54
